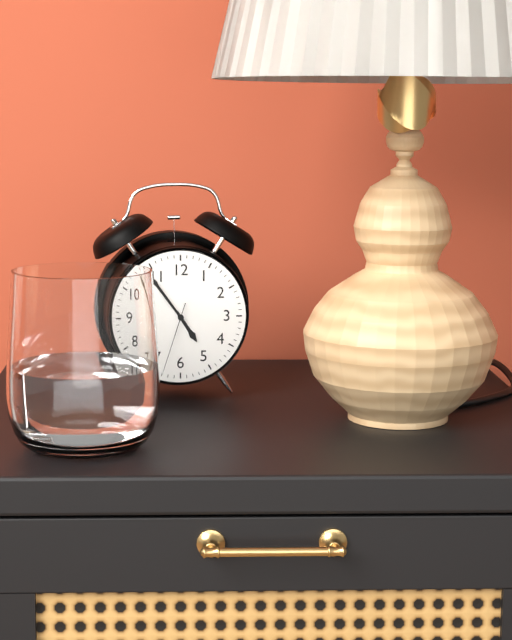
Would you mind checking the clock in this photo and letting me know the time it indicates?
4:54:33
